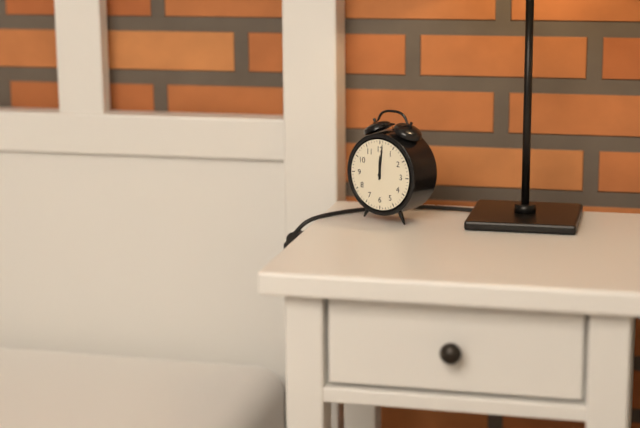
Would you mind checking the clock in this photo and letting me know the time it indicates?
12:01
